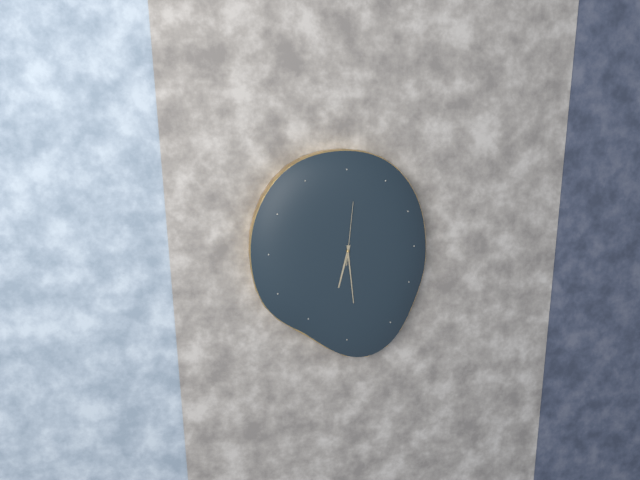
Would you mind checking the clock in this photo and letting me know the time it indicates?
6:29:01
